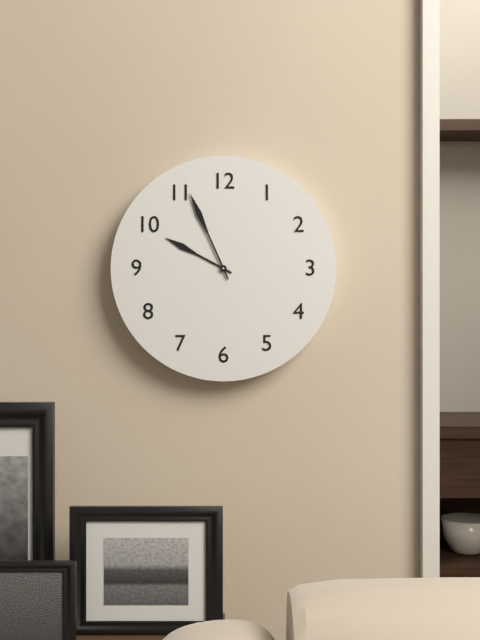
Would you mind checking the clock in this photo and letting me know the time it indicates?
9:56
